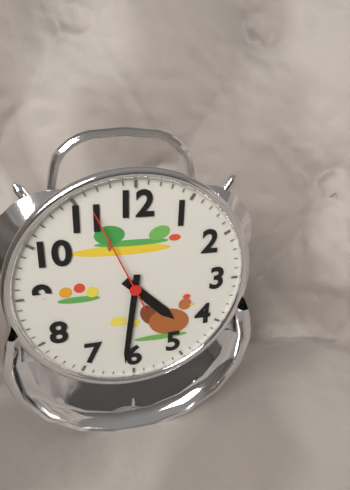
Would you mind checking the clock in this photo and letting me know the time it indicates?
4:31:56
